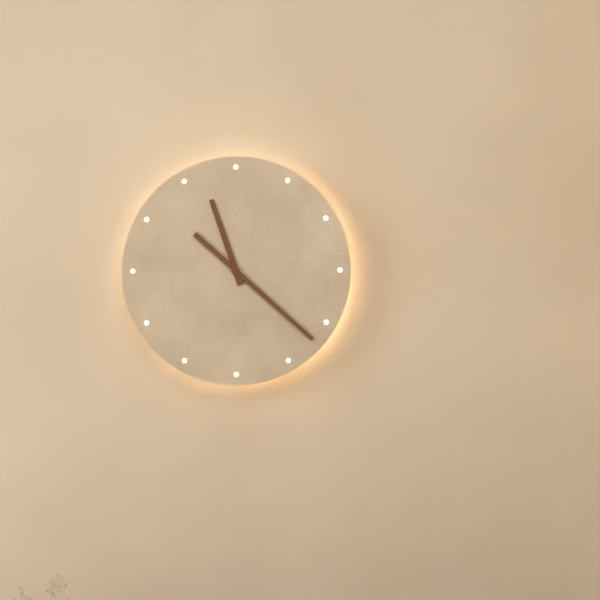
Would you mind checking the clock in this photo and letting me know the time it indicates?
11:22
